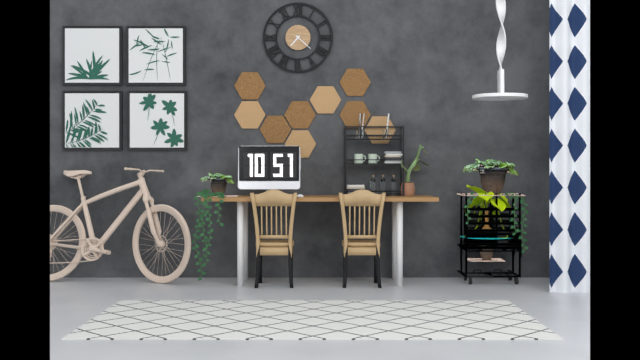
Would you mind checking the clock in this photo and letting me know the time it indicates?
7:22
